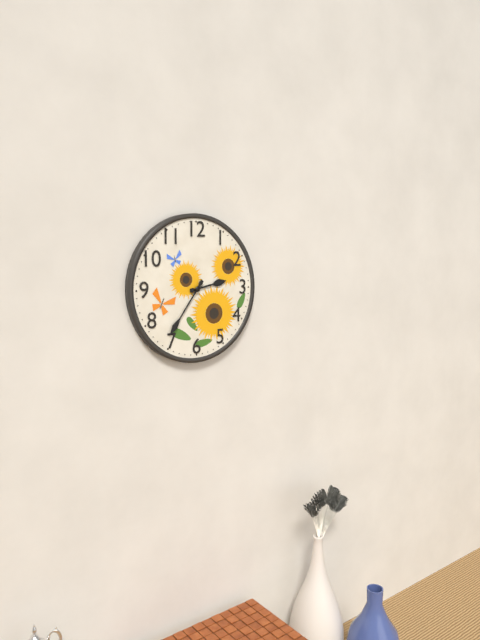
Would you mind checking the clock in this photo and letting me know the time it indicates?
2:36
